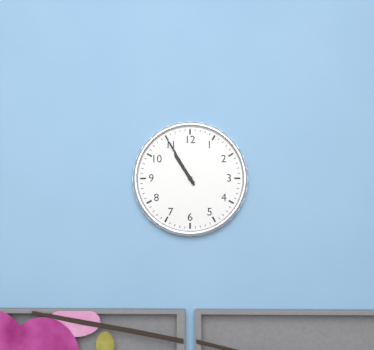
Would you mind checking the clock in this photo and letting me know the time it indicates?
10:55
